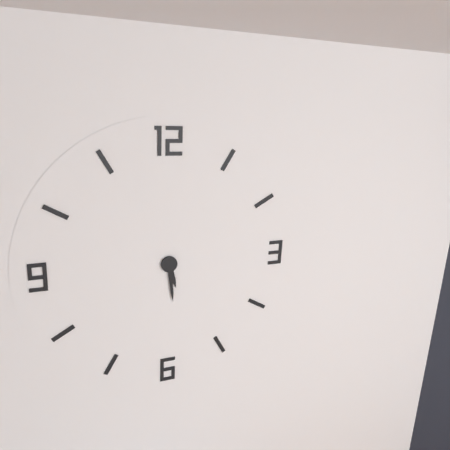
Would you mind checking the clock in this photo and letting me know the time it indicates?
5:29
